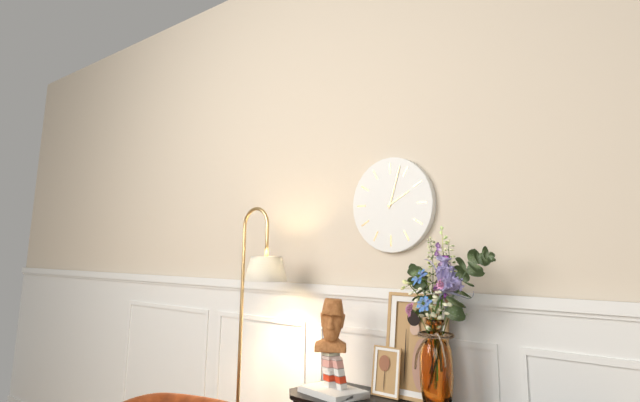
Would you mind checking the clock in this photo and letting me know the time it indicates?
2:03
